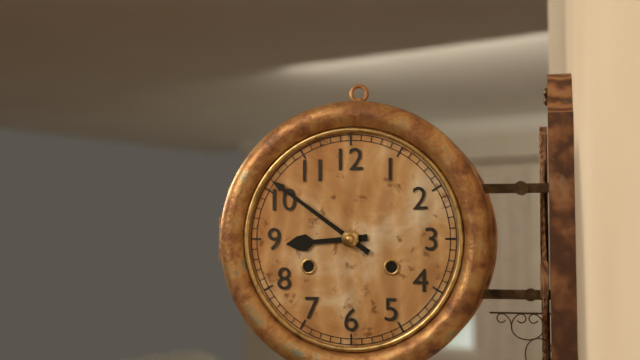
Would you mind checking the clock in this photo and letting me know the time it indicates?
8:51
